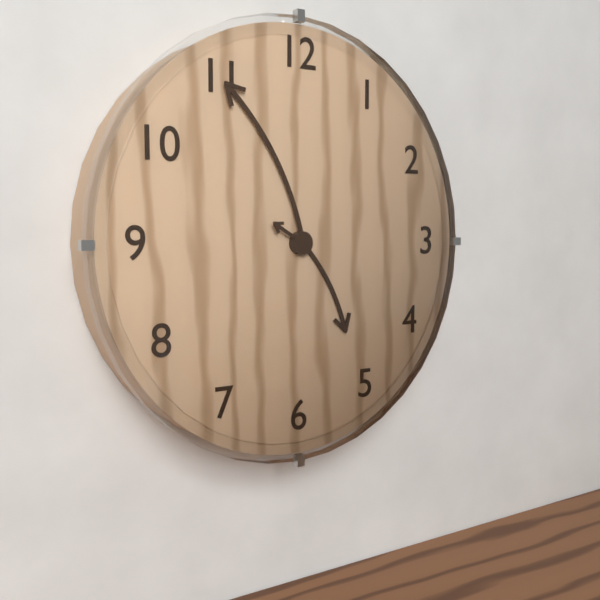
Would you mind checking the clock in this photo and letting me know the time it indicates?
4:55
